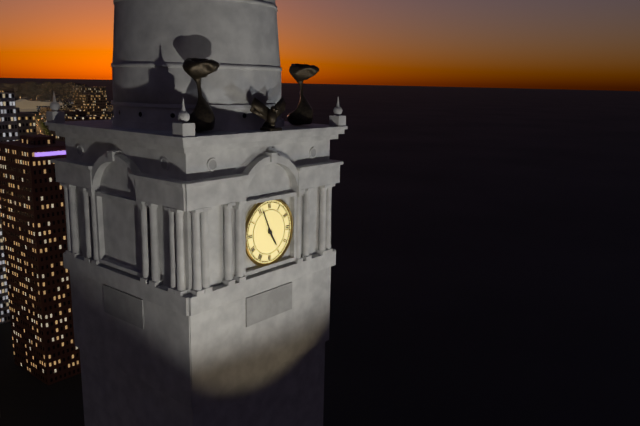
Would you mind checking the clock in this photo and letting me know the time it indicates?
4:56
